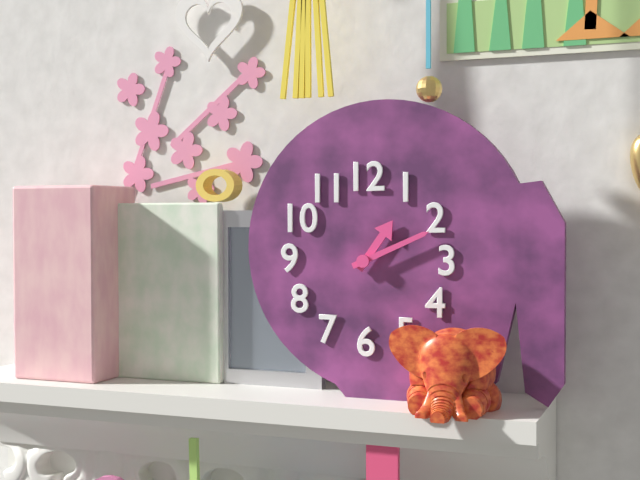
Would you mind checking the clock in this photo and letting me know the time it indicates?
1:11
